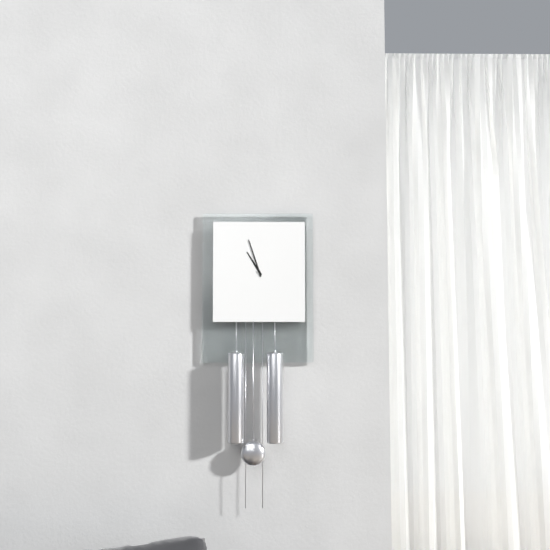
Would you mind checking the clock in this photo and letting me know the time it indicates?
10:57
